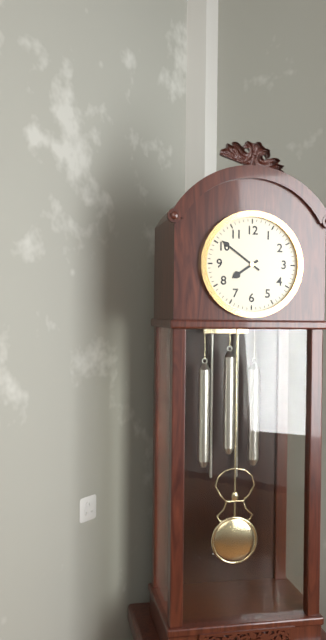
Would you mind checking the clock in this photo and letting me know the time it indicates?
7:51
